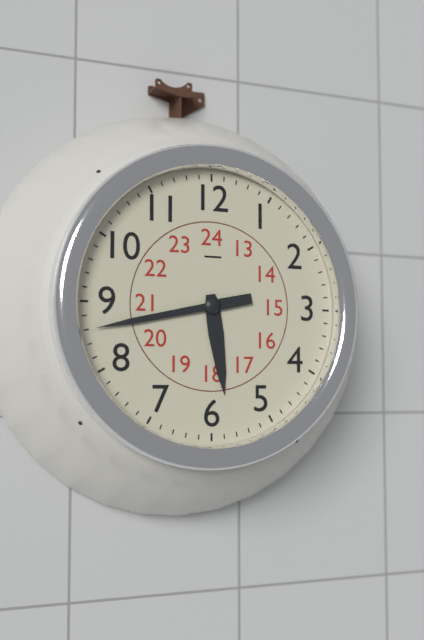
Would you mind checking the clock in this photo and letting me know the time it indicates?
5:43
